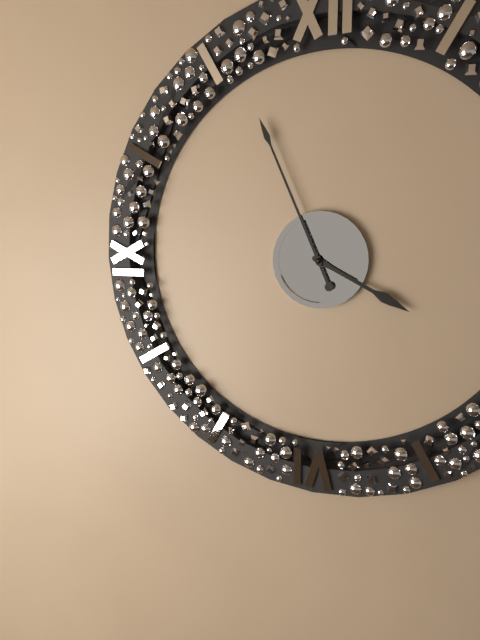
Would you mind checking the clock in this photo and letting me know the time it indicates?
3:56
